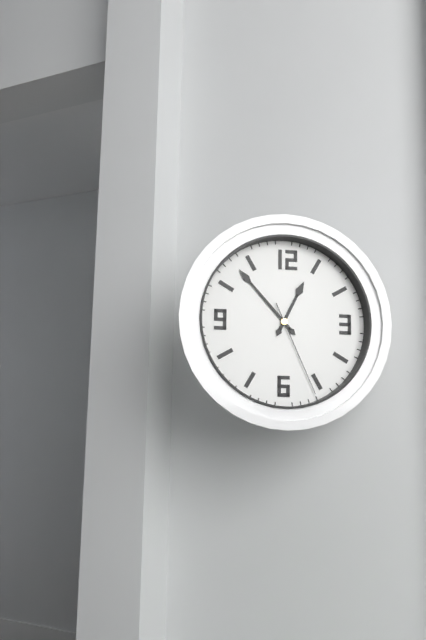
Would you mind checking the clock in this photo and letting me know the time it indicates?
12:53:26
